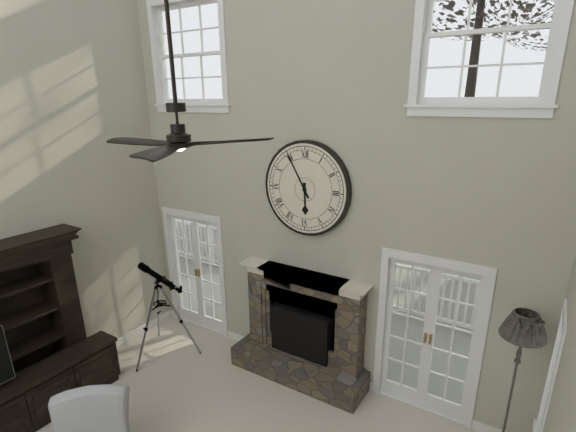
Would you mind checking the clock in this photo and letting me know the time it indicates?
5:55
